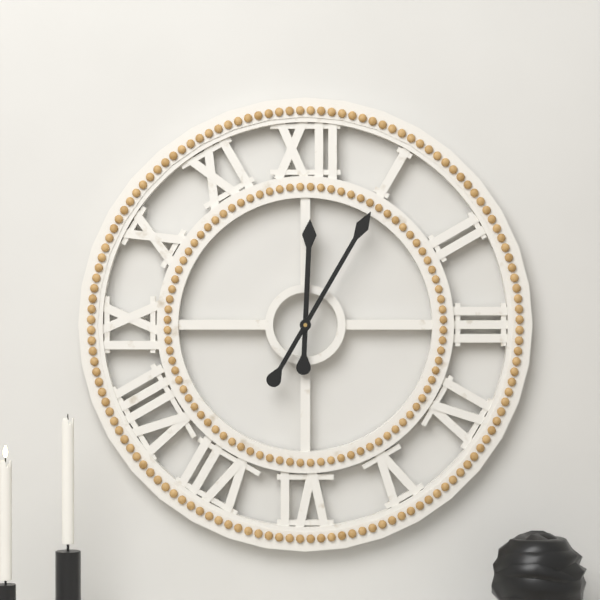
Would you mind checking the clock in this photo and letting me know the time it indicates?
12:05
